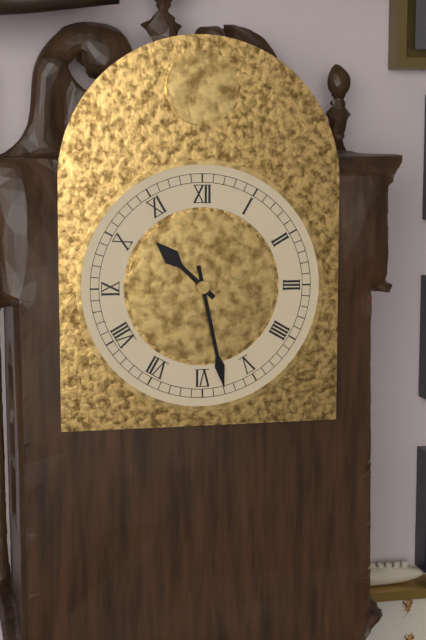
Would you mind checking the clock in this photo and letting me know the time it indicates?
10:28
